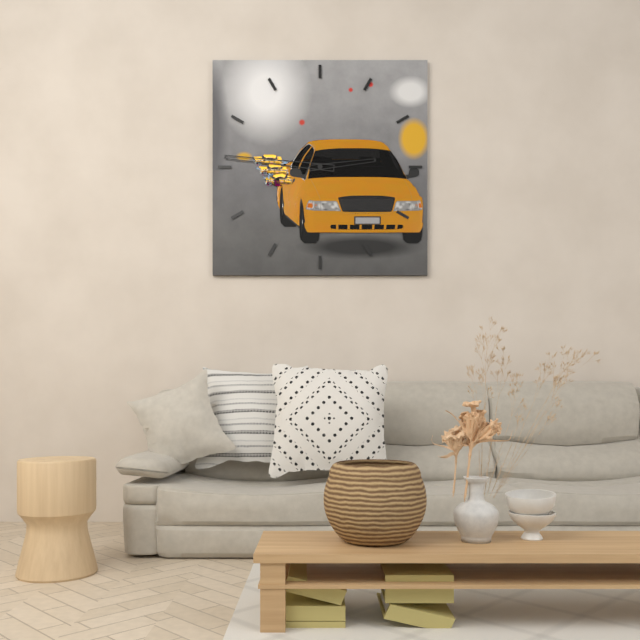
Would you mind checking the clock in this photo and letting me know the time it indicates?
2:46
